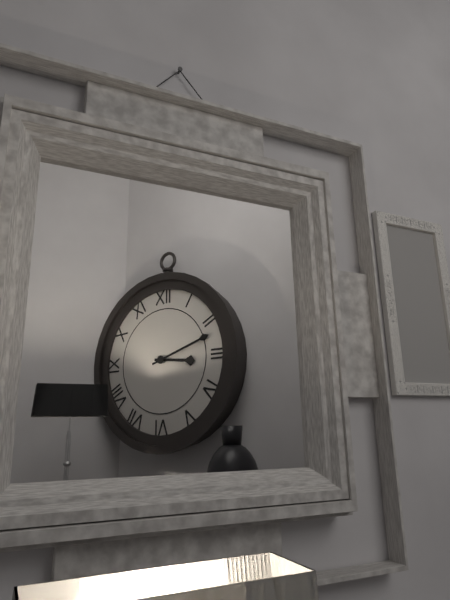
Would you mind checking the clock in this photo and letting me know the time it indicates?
3:12
